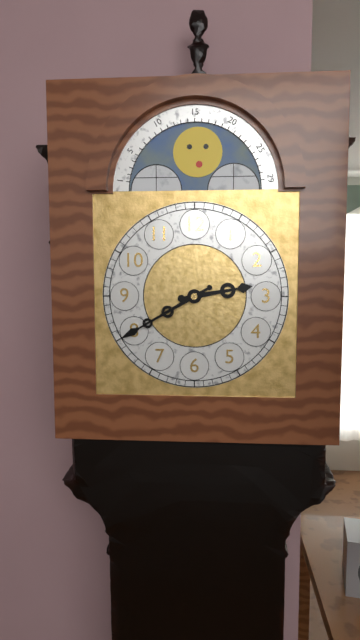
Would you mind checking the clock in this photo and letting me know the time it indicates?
2:40
